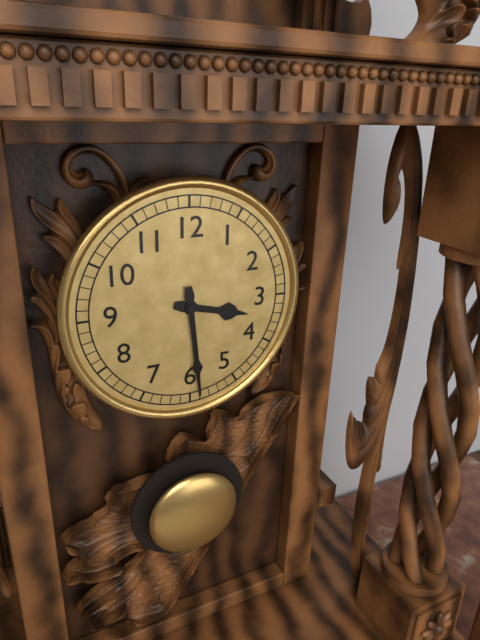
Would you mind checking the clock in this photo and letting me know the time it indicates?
3:29
